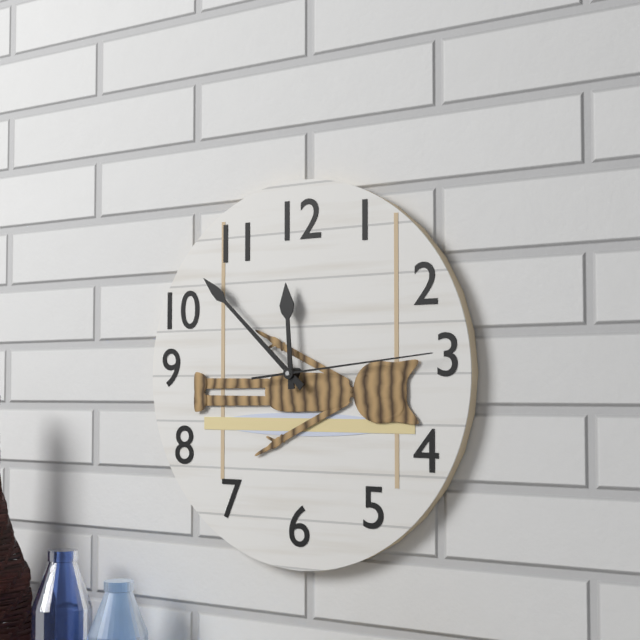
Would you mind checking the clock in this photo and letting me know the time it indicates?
11:52:14
